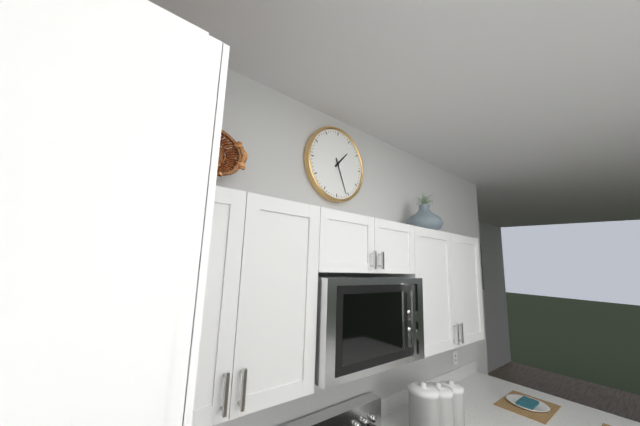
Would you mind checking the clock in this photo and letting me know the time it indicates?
1:26
